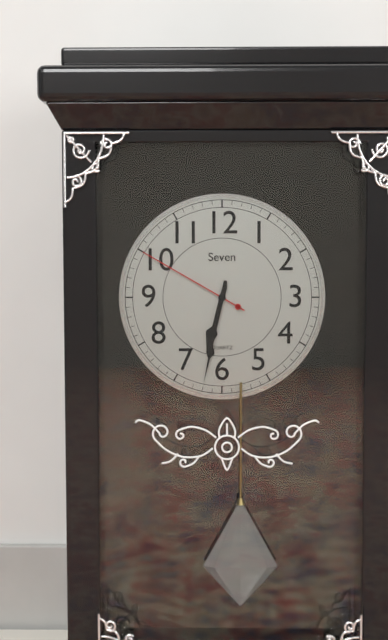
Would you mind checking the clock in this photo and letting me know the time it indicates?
6:32:50
